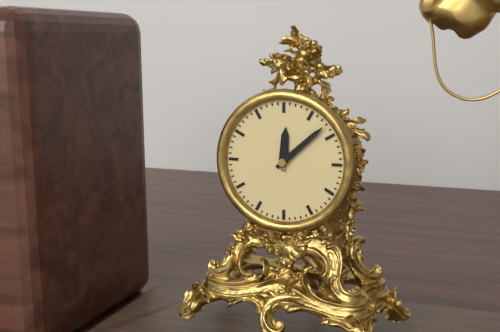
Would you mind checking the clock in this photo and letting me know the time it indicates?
12:08
